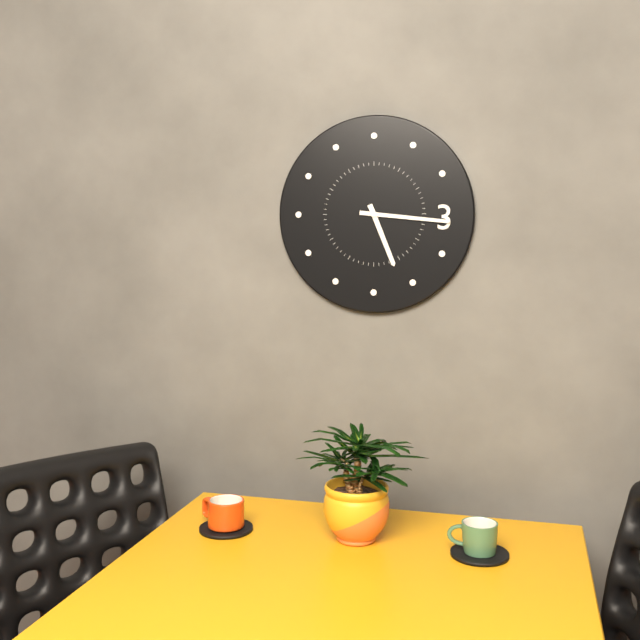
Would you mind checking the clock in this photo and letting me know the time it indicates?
5:16
